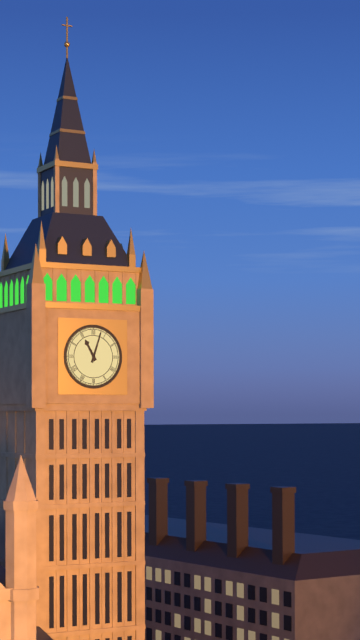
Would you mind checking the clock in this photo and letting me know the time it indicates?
11:03
